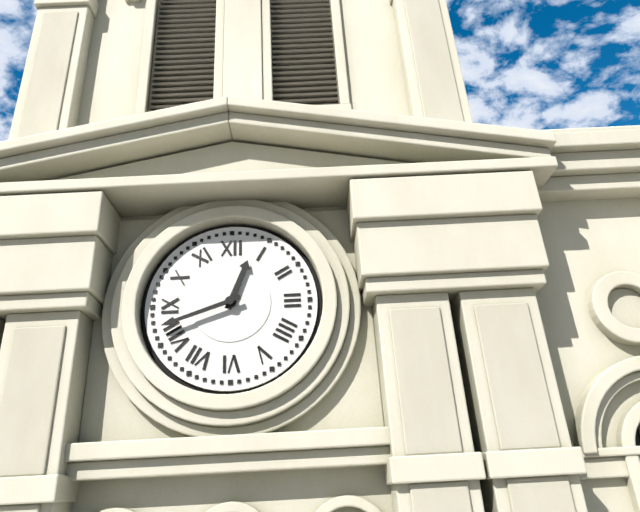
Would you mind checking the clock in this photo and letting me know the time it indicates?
12:42
